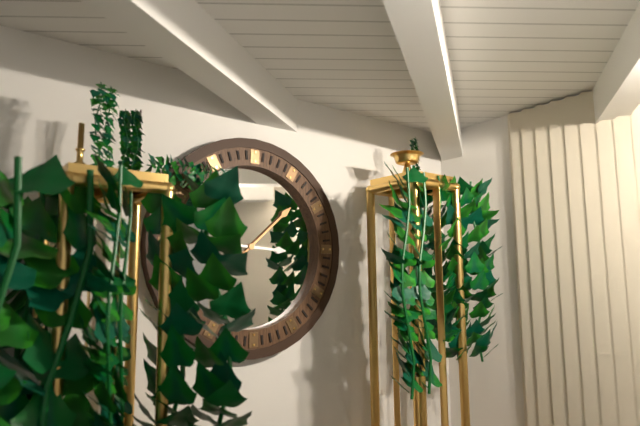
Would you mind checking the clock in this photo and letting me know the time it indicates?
3:08
